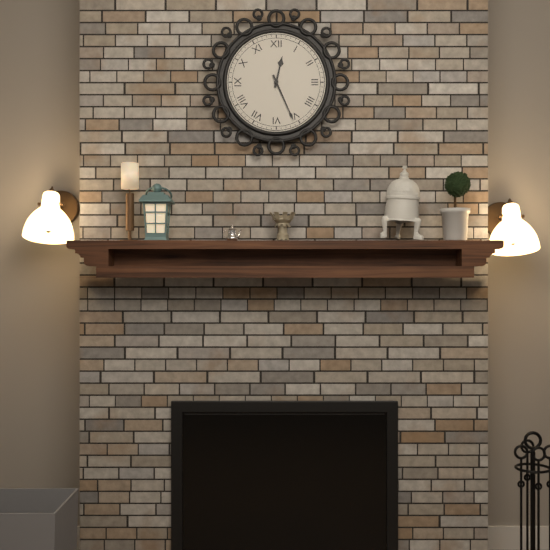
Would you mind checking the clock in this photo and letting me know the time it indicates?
12:26
